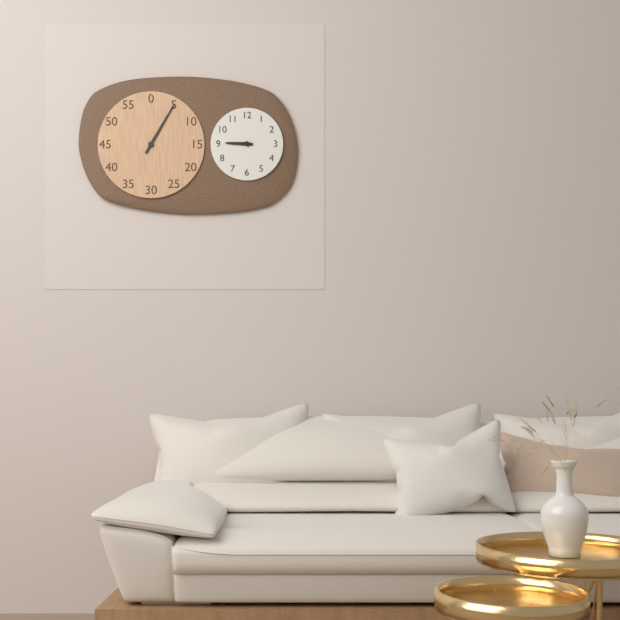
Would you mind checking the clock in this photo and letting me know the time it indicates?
9:05
